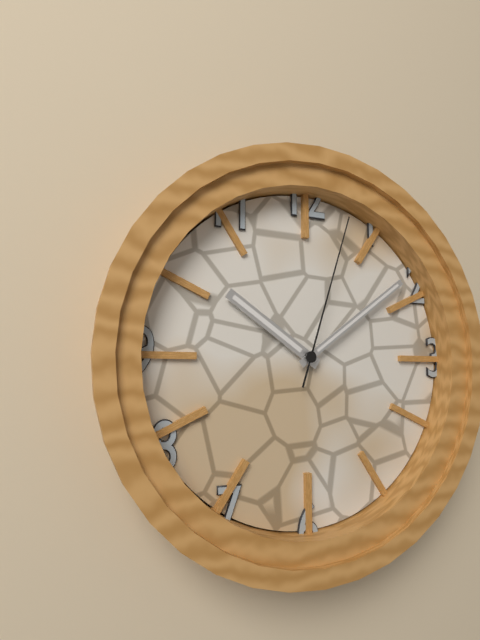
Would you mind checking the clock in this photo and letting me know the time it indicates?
10:09:03
